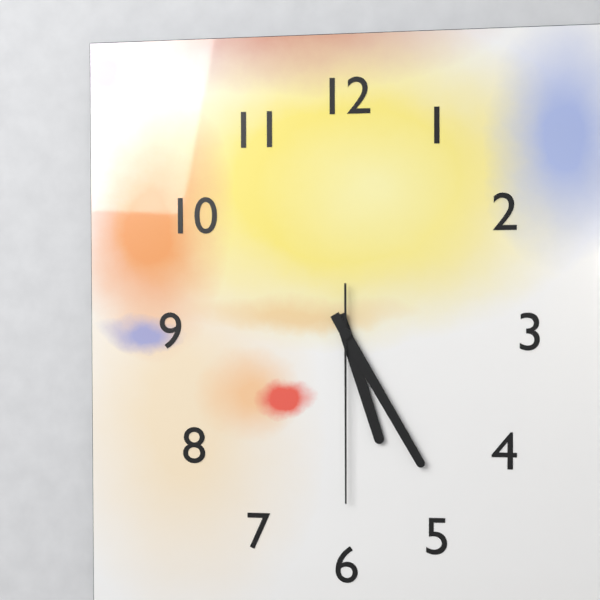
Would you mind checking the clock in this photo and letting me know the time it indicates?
5:25:30
